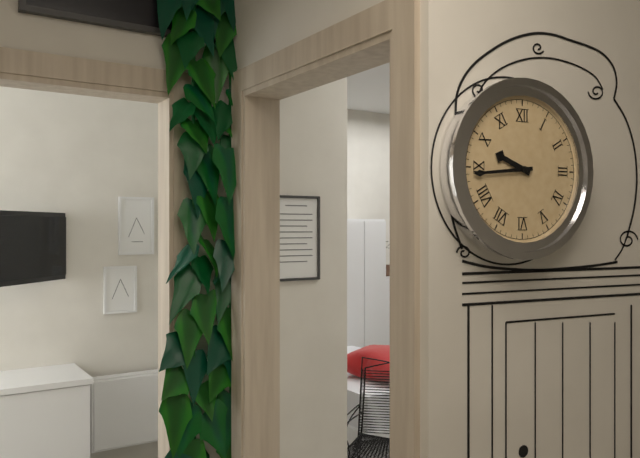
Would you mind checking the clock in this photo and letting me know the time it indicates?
9:44
